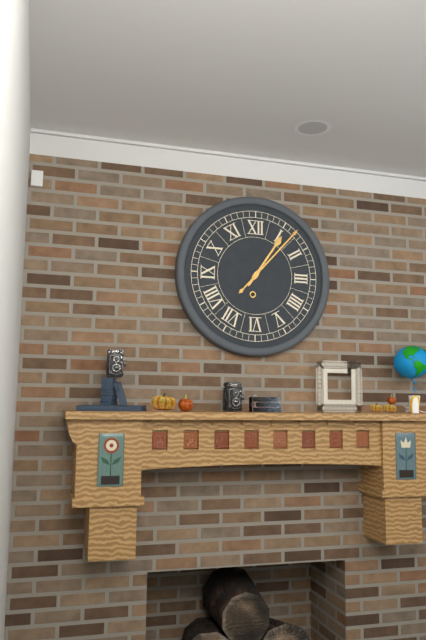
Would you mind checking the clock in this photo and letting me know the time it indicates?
1:07
